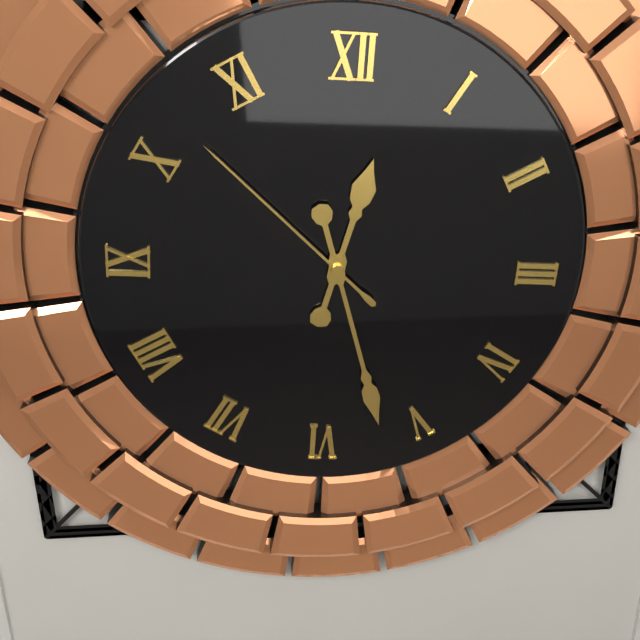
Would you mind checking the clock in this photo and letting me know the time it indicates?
12:27:52
